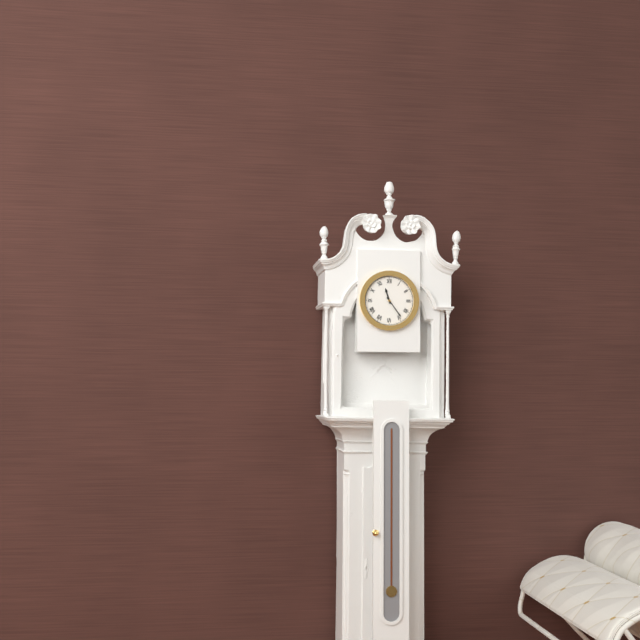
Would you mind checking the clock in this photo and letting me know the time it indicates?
11:24
